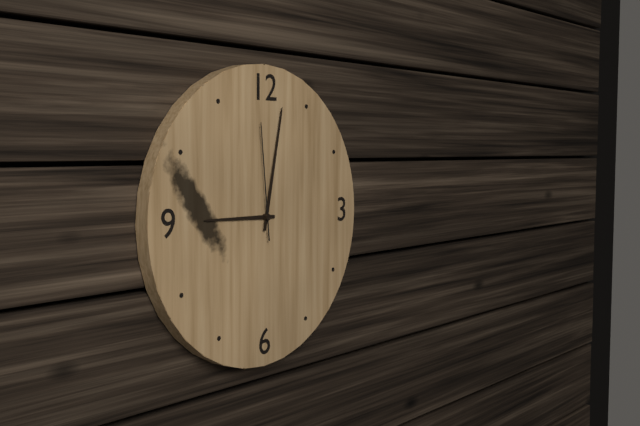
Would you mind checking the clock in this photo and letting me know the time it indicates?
9:02:59
